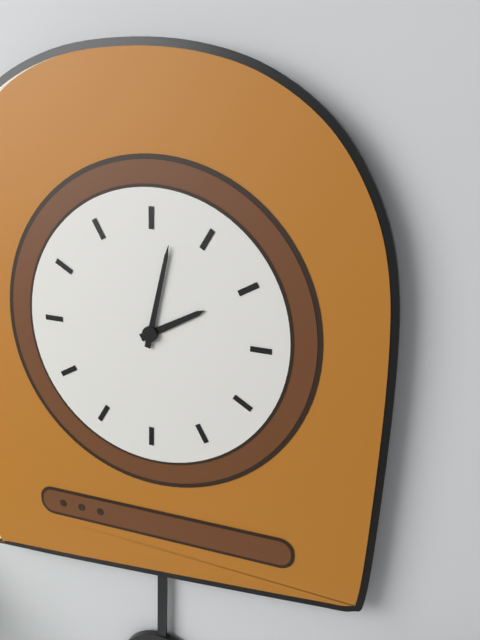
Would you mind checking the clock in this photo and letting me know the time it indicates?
2:02
